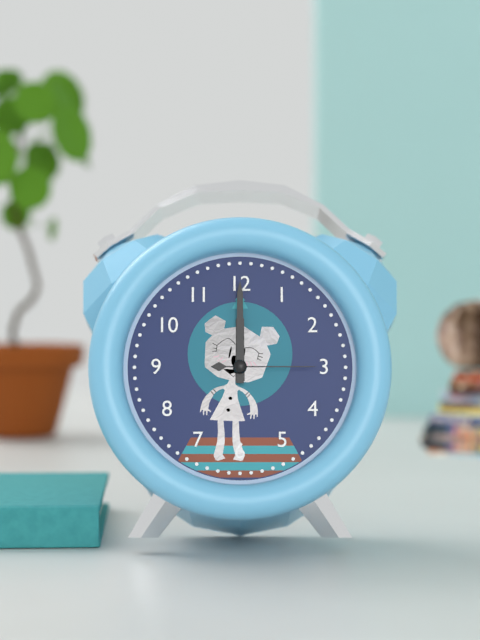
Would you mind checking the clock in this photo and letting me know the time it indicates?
12:00:15
